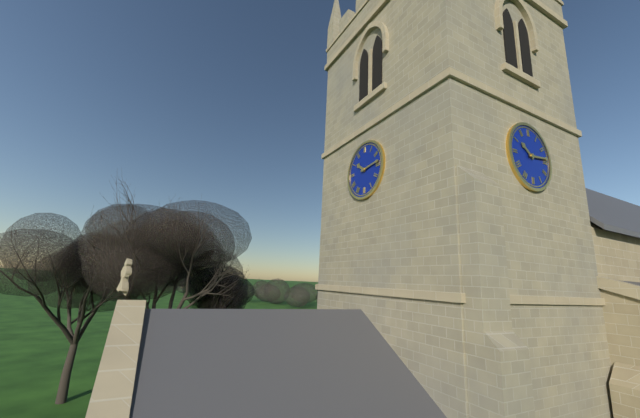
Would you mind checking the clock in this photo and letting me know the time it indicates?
10:14
